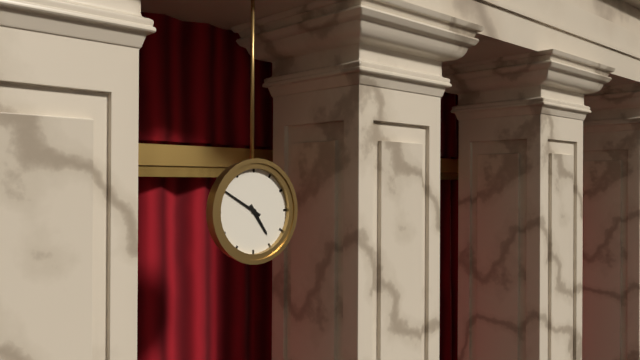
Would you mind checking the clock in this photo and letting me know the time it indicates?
4:50
